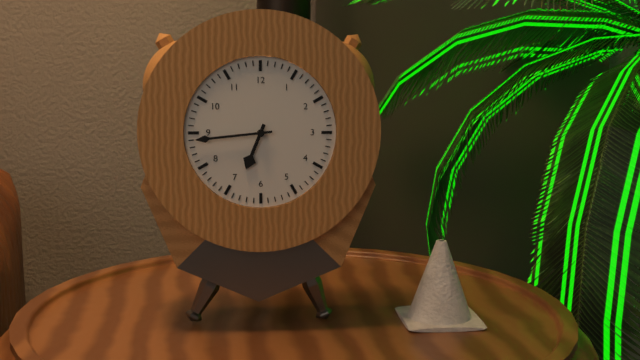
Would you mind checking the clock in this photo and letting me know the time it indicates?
6:44
